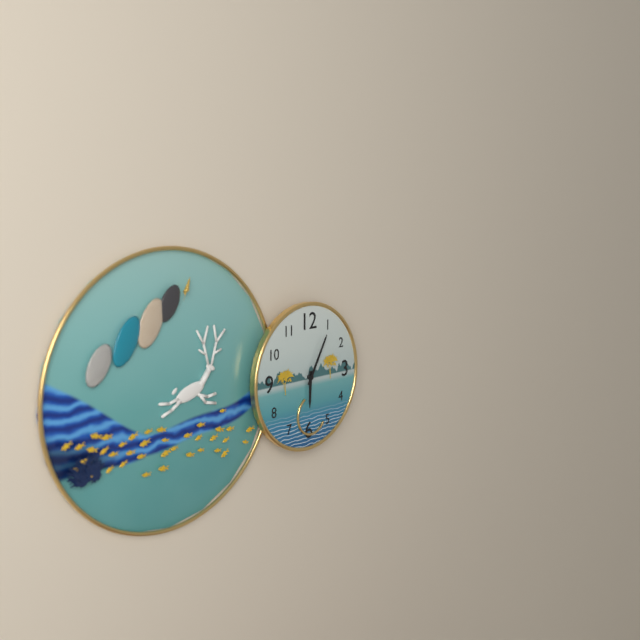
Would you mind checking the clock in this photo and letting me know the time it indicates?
6:05
